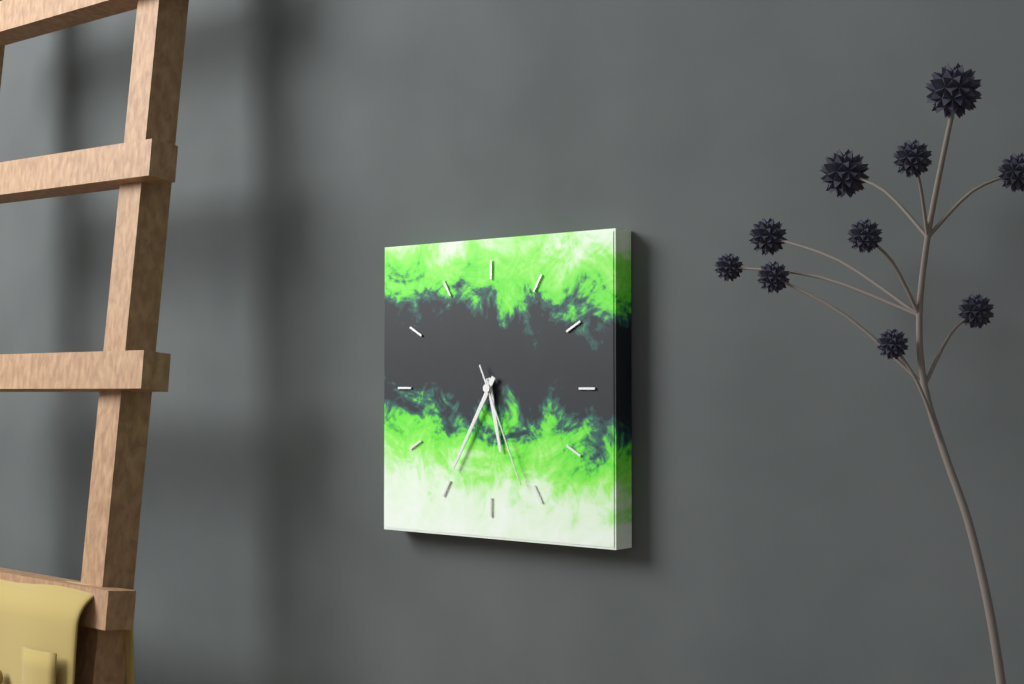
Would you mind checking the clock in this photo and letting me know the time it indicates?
5:35:26
